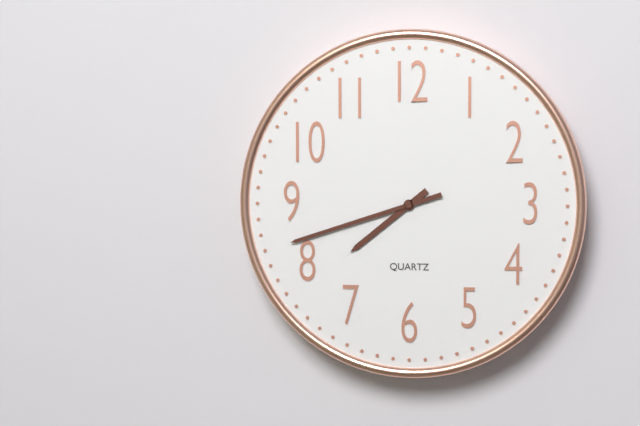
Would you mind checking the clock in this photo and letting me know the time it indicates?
7:42
